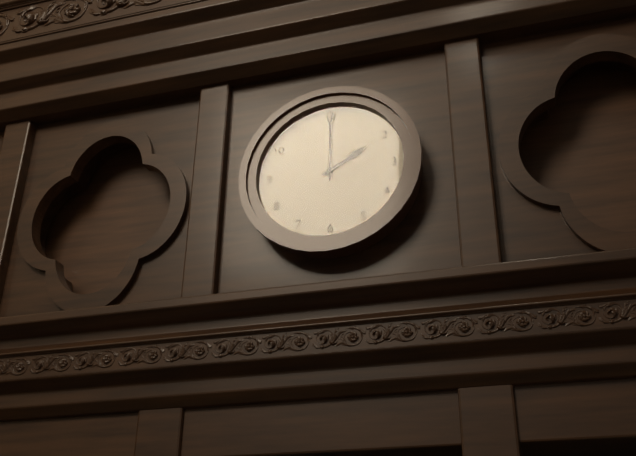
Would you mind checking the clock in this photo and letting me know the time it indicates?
2:00
